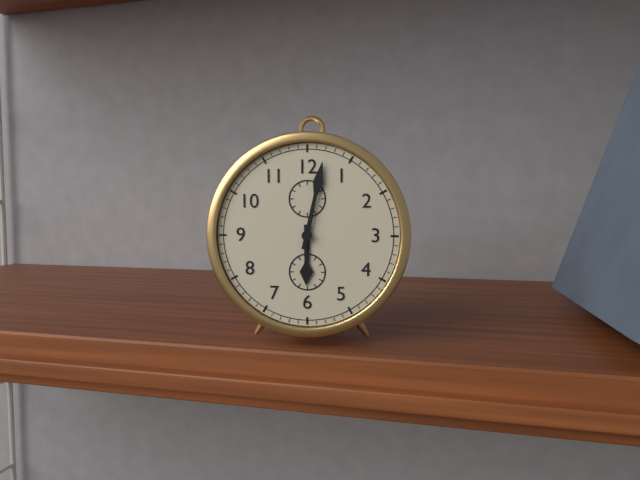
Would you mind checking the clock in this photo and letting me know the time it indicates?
6:02
